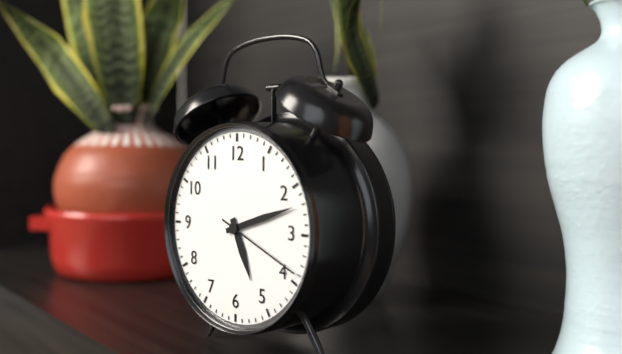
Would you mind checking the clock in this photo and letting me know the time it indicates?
5:12:19
